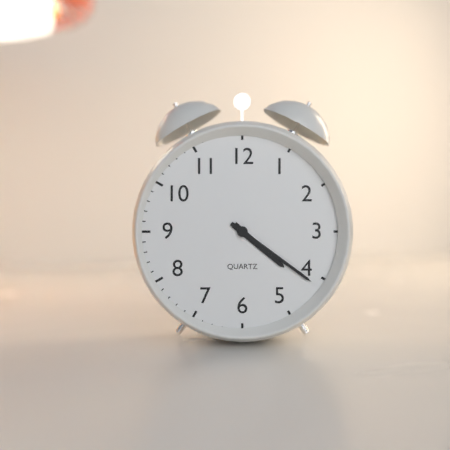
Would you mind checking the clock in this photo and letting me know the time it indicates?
4:21
